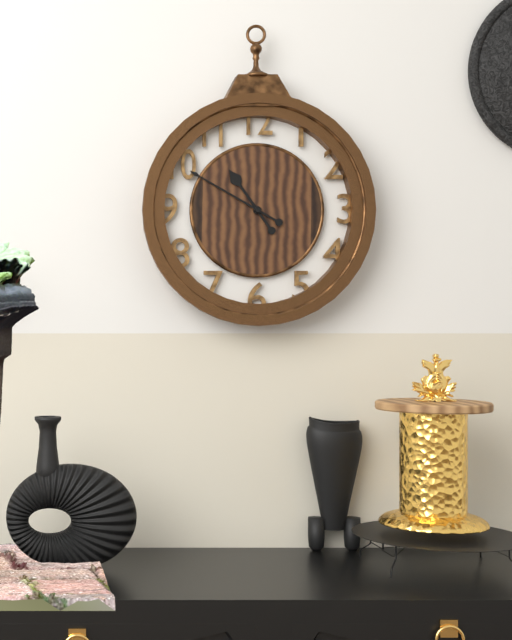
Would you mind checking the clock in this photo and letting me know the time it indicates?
10:50
